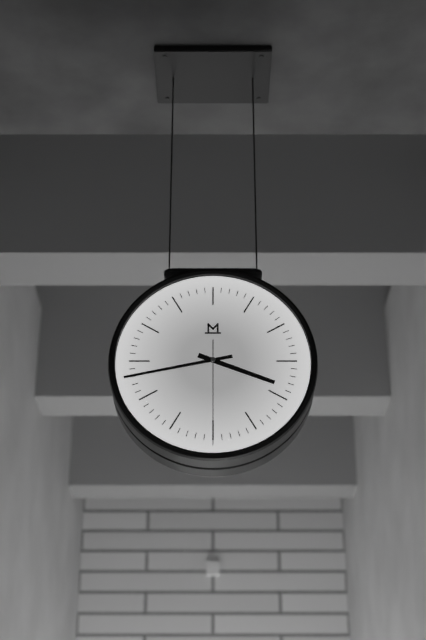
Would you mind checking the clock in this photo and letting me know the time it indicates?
3:43:30
